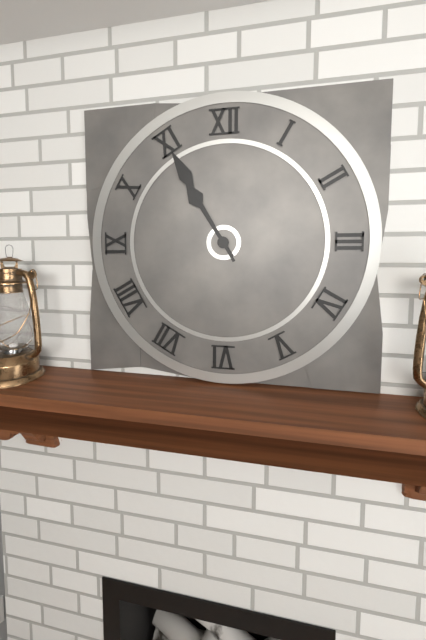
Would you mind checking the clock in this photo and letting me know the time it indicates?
10:55
